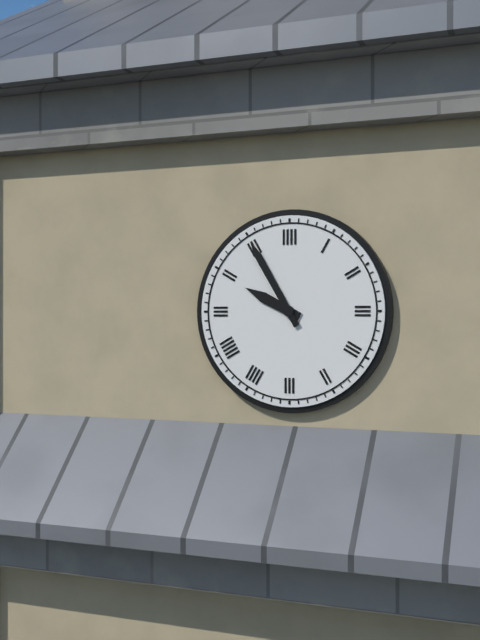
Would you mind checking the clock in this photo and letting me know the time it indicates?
9:55
